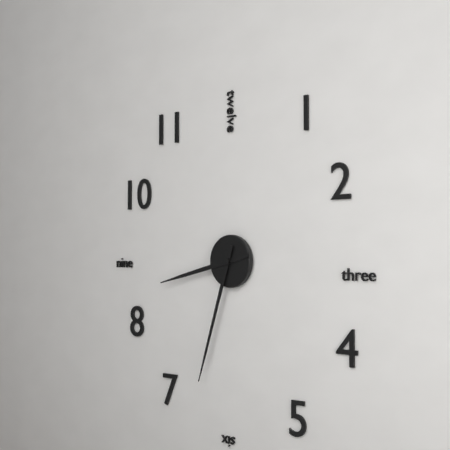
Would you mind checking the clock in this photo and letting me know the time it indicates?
8:33
